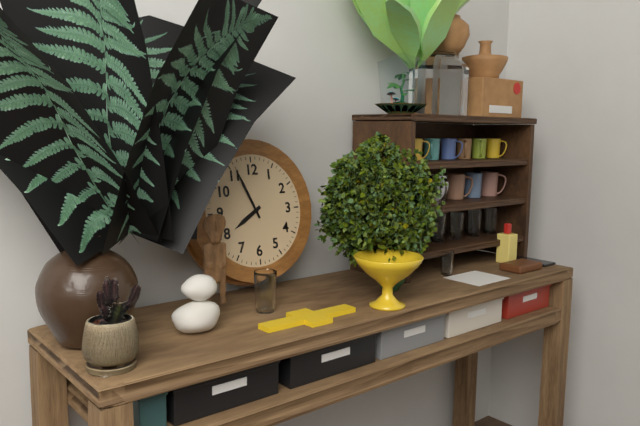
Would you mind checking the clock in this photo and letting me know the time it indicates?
7:56
